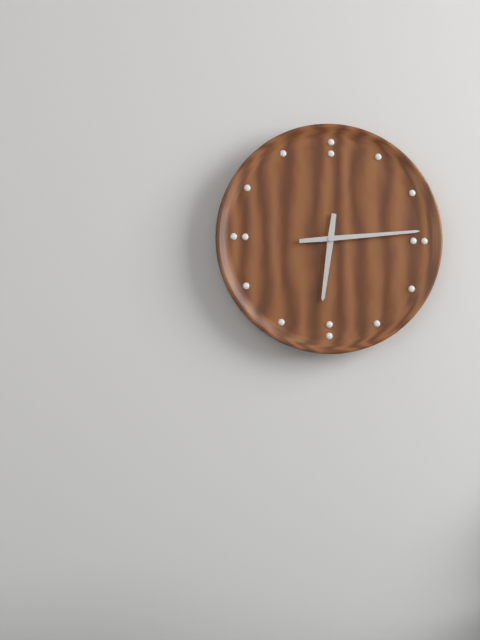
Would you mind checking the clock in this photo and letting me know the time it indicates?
6:14
